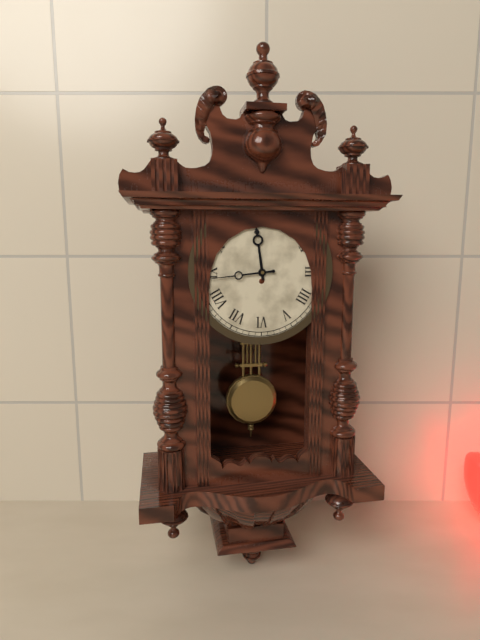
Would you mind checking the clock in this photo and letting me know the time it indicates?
11:44
